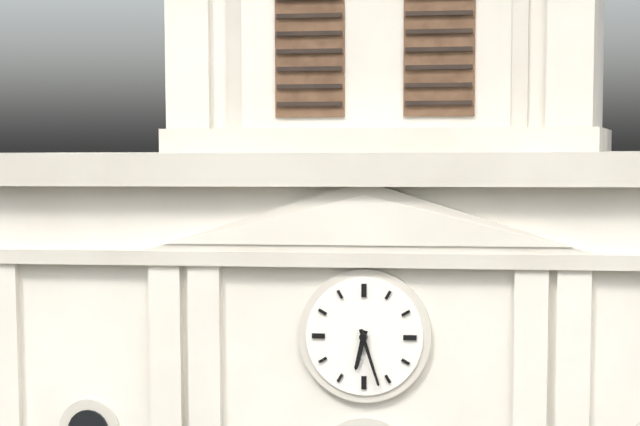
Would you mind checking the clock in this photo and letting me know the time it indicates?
6:27
